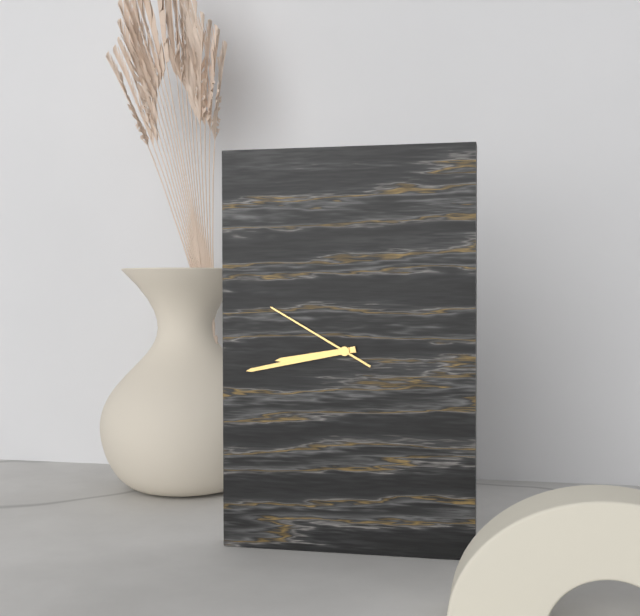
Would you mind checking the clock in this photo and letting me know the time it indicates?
8:43:50
